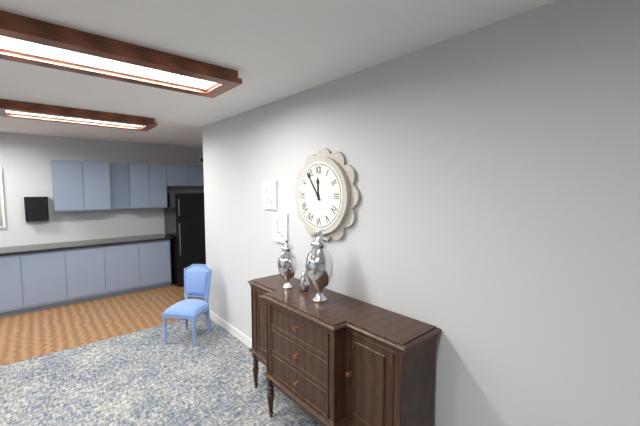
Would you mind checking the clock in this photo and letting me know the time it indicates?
11:54
